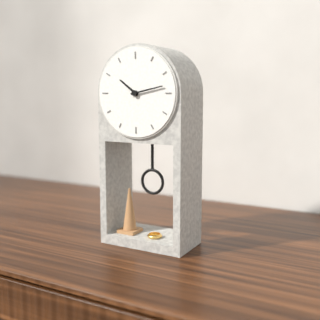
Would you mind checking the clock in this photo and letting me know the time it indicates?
10:13
